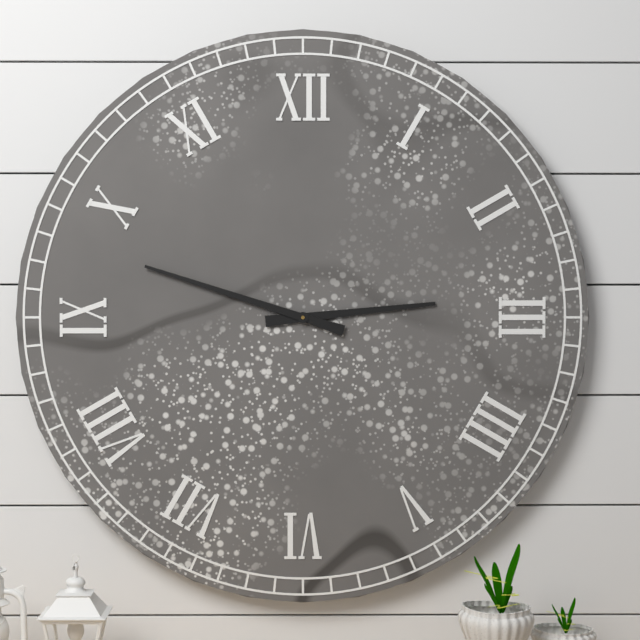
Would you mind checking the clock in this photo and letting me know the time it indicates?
2:48
